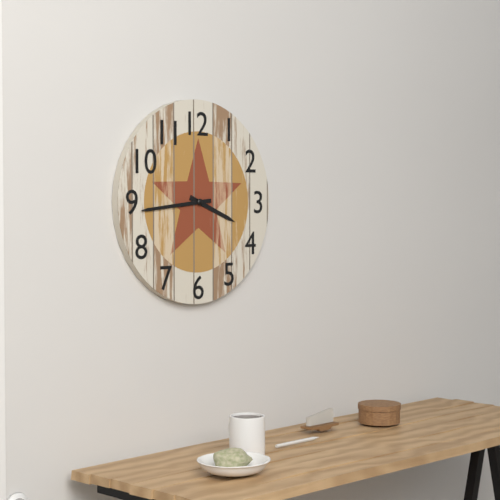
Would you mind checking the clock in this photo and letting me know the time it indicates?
3:44
